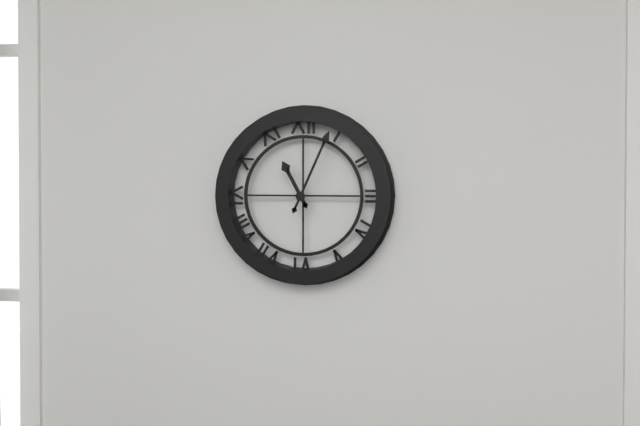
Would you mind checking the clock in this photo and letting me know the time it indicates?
11:04
